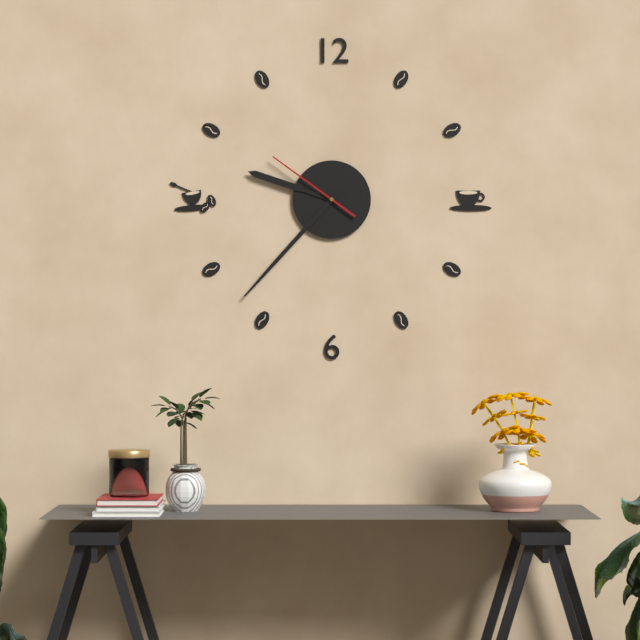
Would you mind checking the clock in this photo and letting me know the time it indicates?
9:37:51
